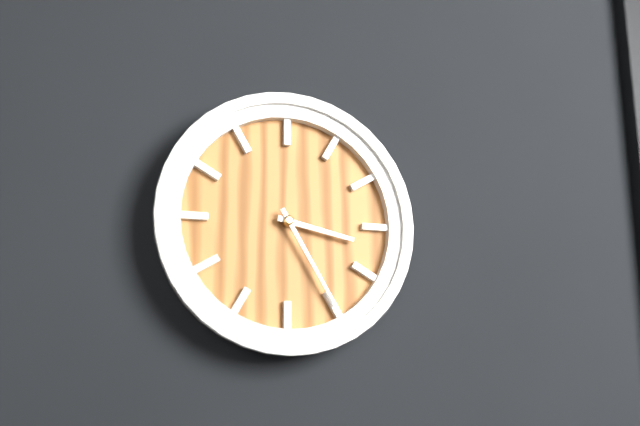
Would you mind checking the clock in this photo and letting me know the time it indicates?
3:25
